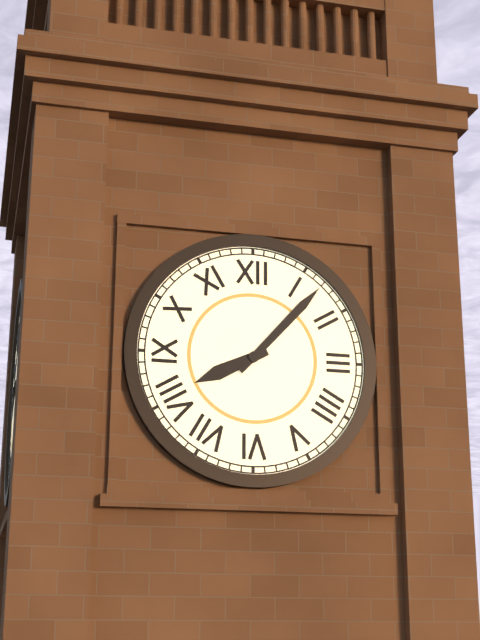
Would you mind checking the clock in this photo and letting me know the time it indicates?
8:07
